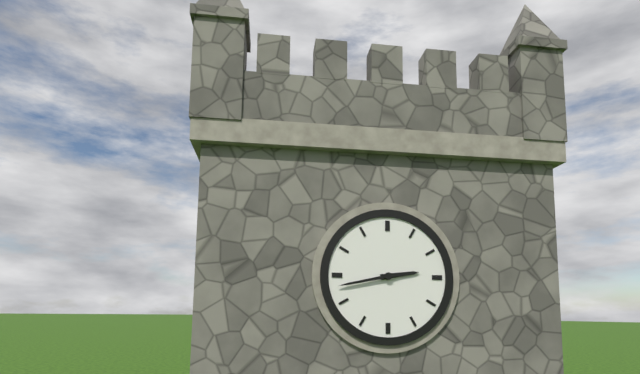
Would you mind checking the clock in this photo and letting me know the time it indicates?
2:43
